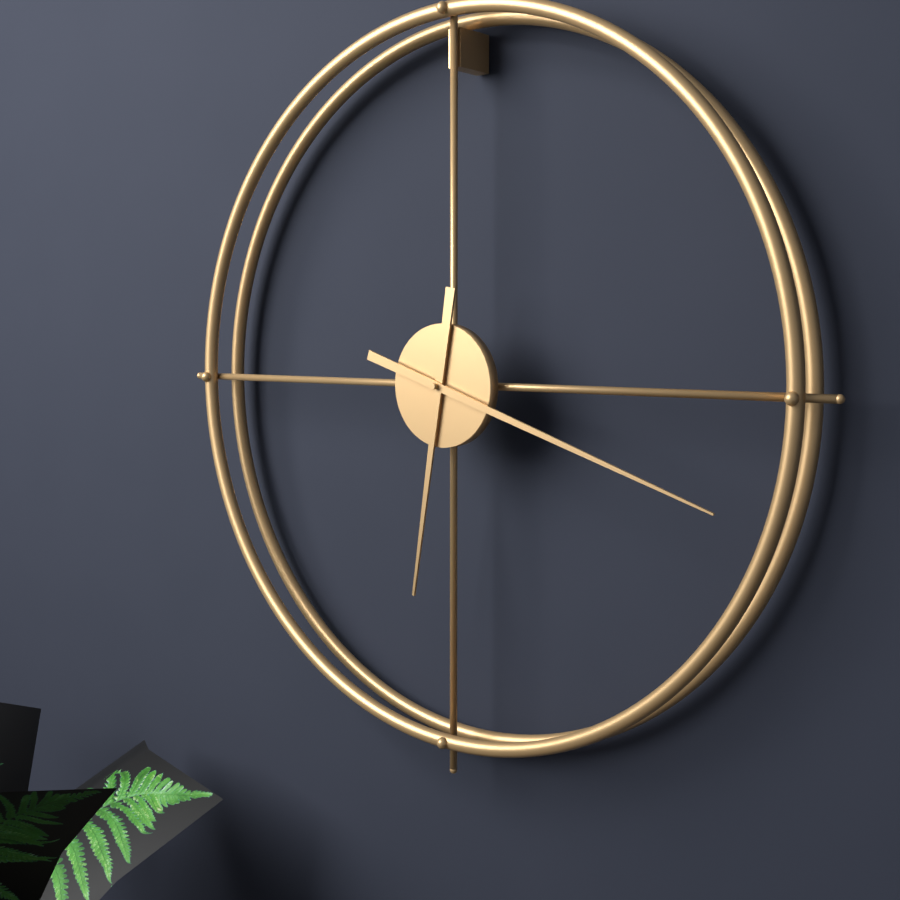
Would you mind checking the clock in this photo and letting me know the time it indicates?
6:18
